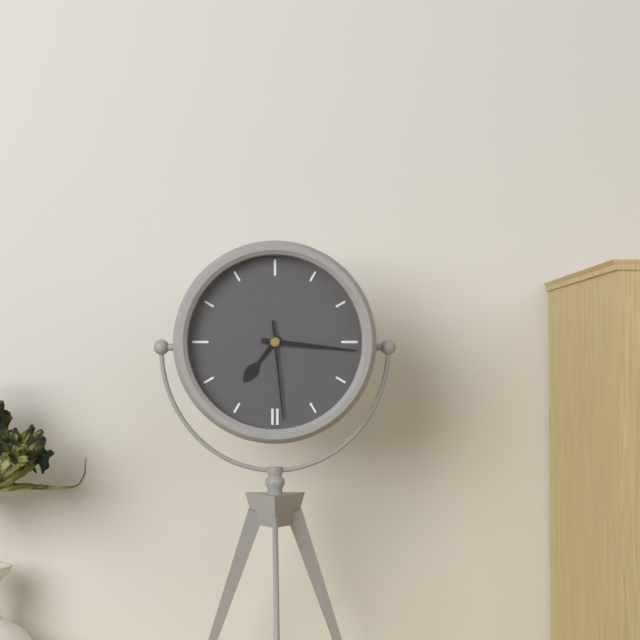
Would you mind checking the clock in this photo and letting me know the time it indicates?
7:16:29
